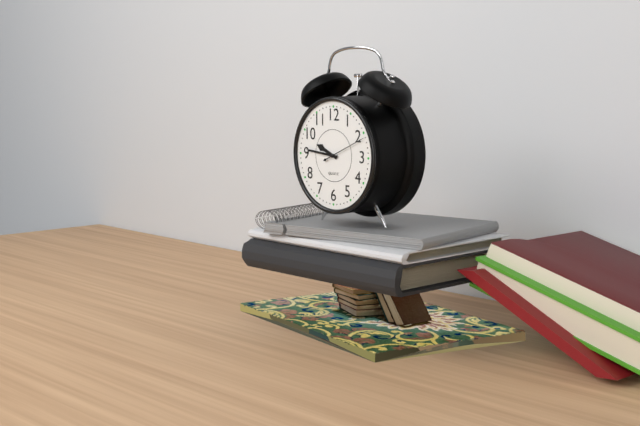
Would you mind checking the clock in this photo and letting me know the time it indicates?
9:46
